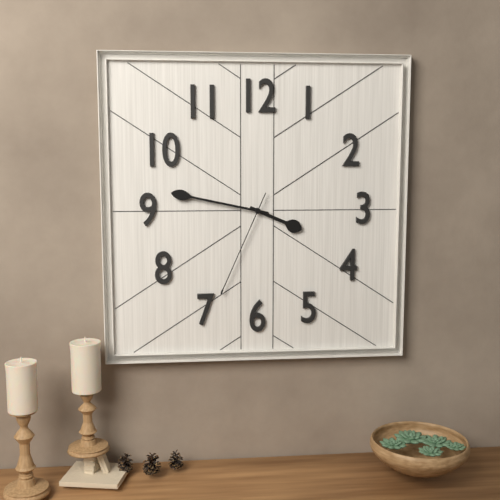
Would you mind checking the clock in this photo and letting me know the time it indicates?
3:47:34
